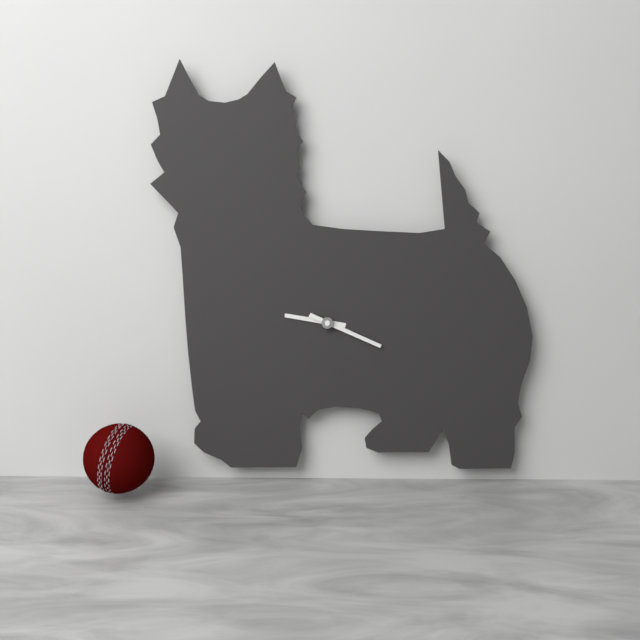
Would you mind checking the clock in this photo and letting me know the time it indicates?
9:19
